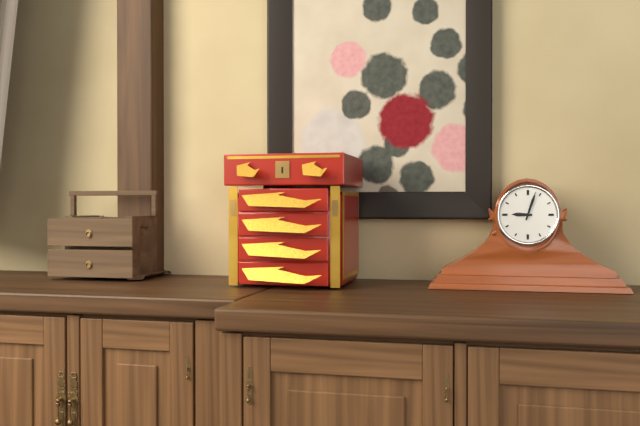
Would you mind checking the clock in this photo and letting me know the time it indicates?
9:03
